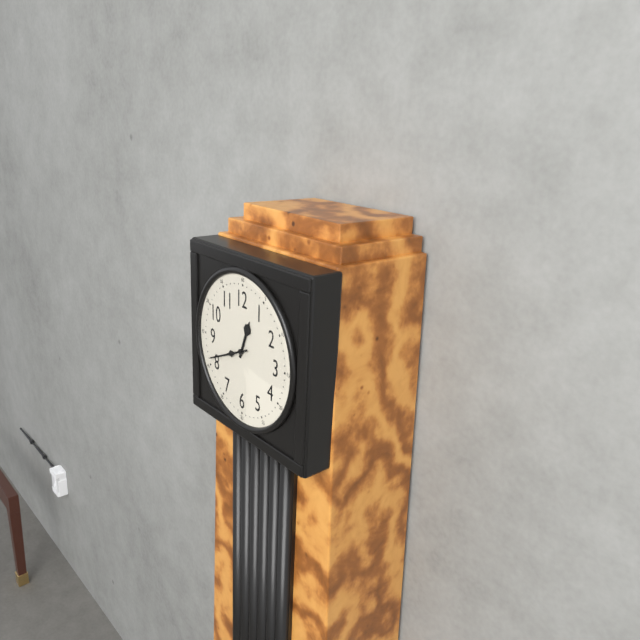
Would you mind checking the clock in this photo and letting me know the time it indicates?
12:41
